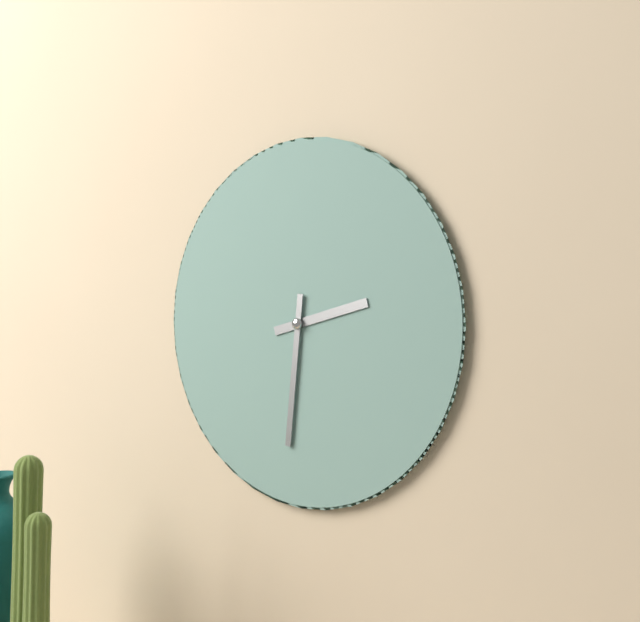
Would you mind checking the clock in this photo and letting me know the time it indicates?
2:31
